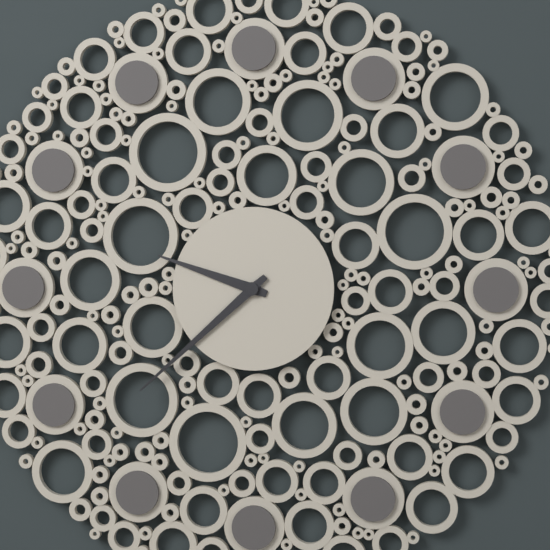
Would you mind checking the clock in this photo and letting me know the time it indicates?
9:38
